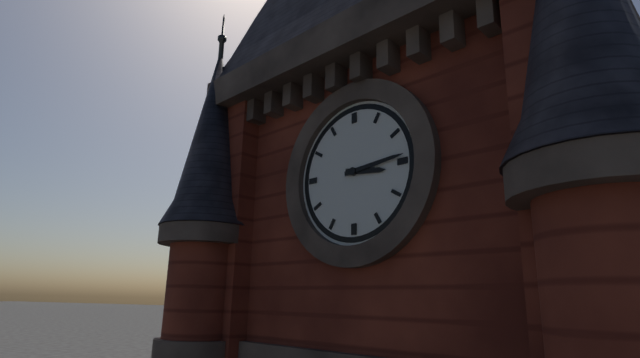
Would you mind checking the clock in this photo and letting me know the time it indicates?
3:14
